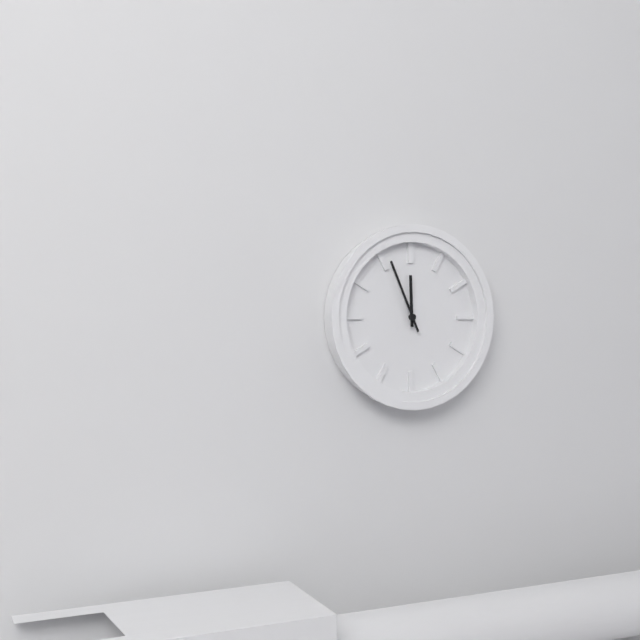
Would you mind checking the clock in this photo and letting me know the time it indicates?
11:56
